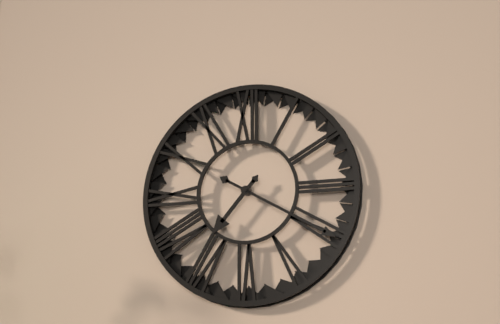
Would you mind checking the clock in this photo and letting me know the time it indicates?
7:20
